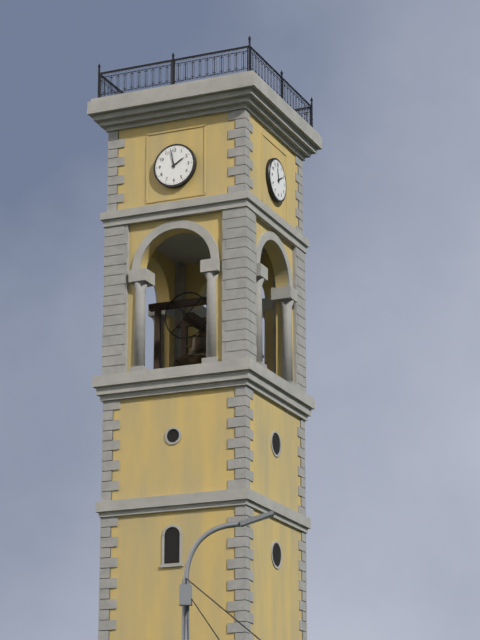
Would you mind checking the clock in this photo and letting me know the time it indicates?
1:58
